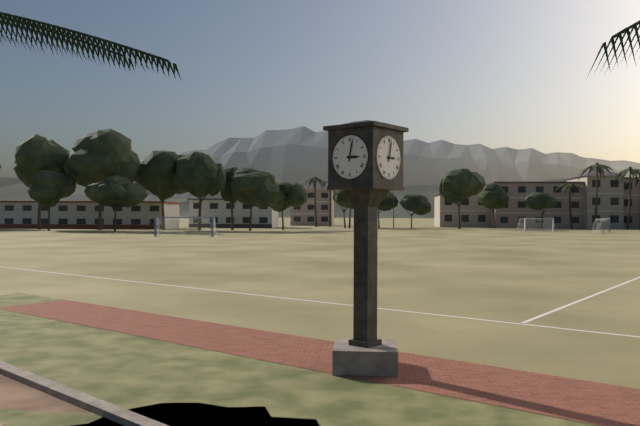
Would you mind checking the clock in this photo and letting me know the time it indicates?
3:02
